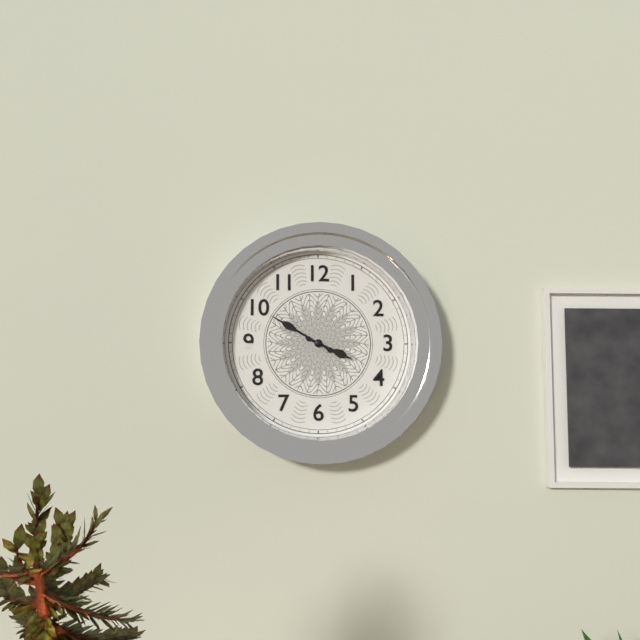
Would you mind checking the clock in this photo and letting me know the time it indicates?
3:50
